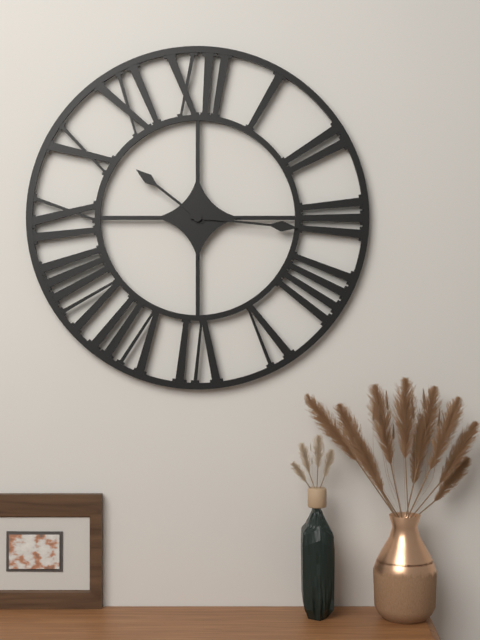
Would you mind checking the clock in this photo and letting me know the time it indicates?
10:16
